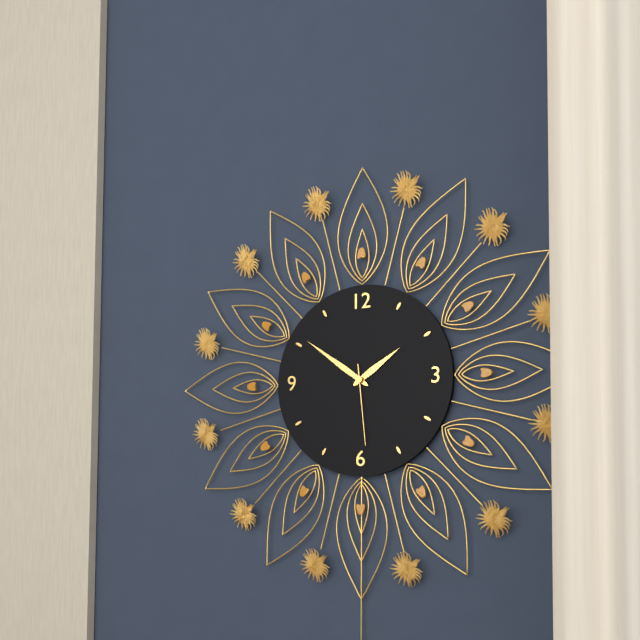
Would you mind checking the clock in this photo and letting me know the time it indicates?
1:51:29
